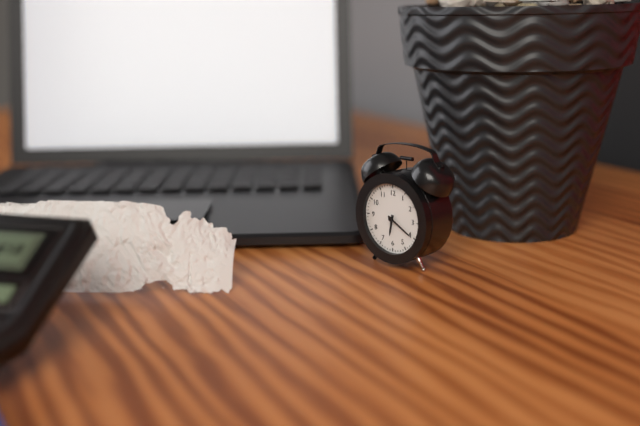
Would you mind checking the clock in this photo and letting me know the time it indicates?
6:20
